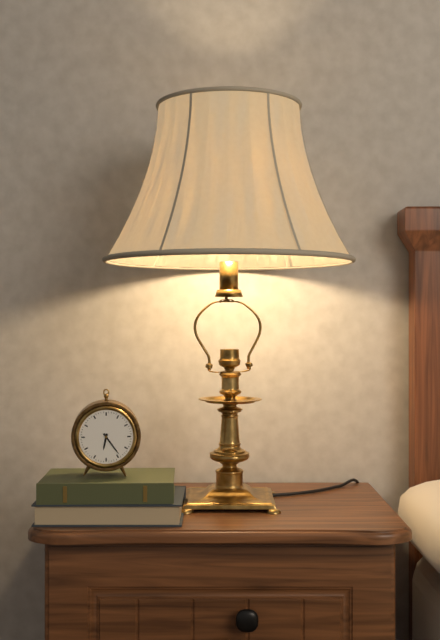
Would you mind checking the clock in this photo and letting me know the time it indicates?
6:24
